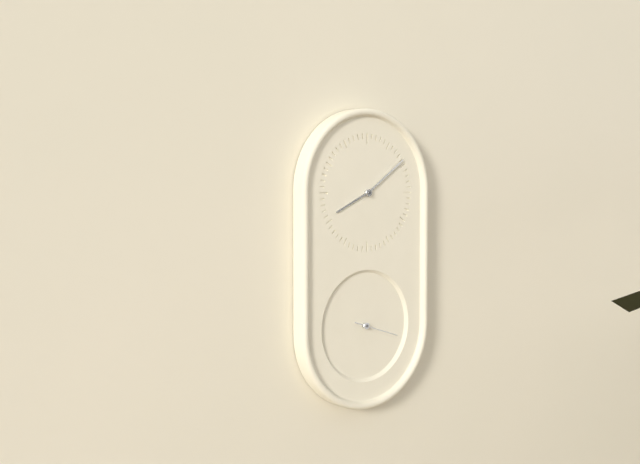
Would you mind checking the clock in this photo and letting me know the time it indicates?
8:09
